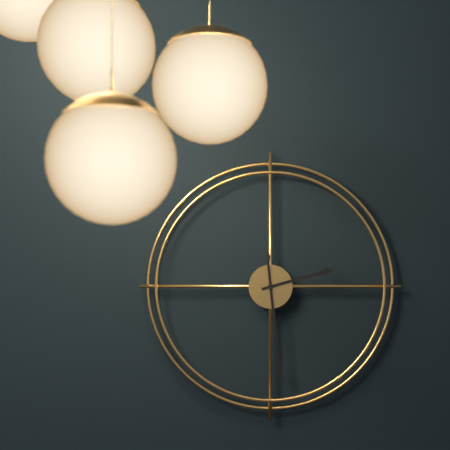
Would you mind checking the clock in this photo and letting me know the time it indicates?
2:29
